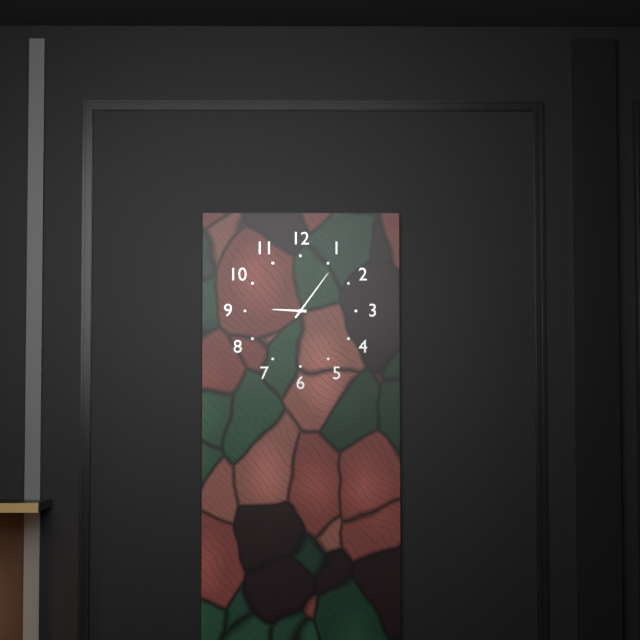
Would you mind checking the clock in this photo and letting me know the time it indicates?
9:06
